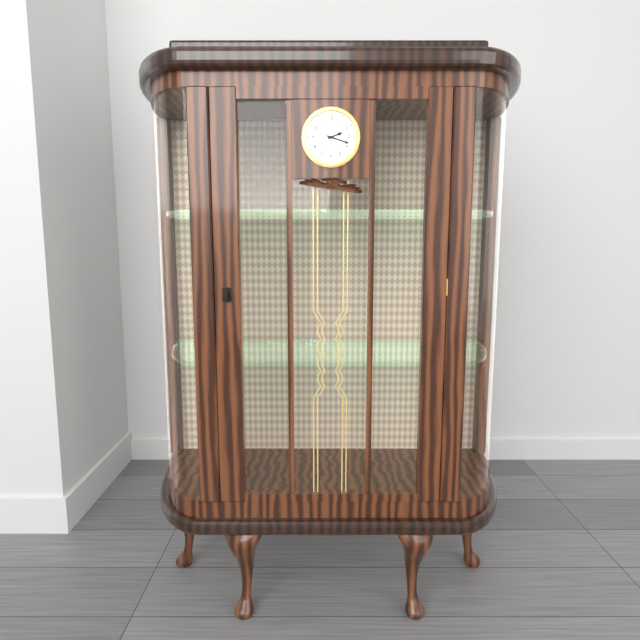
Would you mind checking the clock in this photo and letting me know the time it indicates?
2:18
